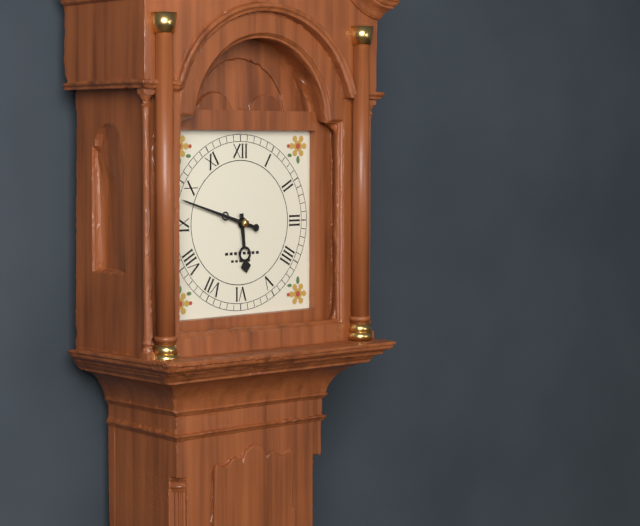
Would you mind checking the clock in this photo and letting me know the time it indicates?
5:48
